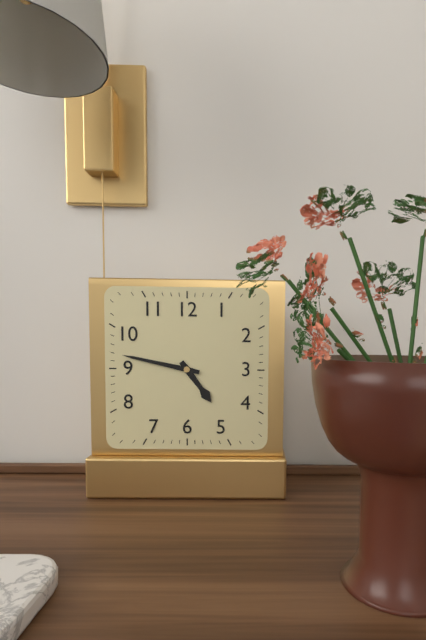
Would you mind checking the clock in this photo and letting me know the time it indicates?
4:47
